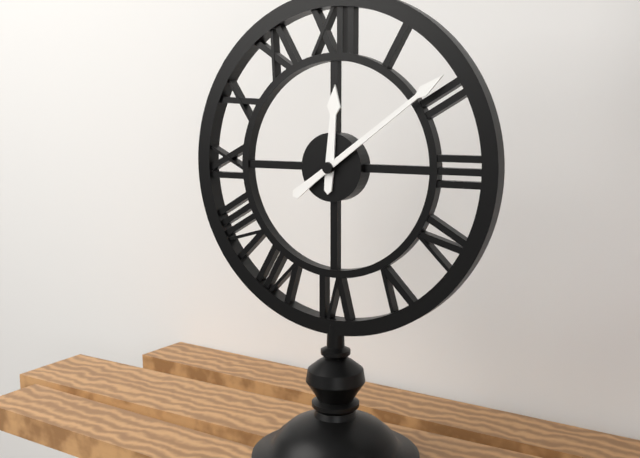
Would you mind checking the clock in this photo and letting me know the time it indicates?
12:09
